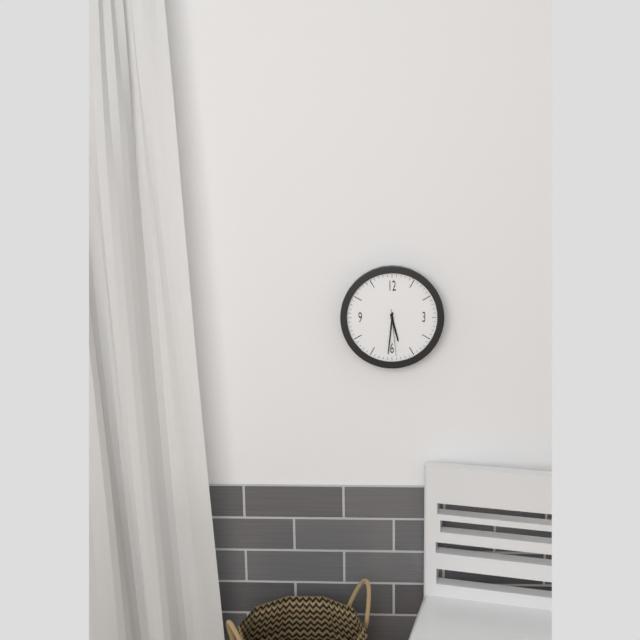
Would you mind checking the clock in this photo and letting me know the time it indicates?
5:31
